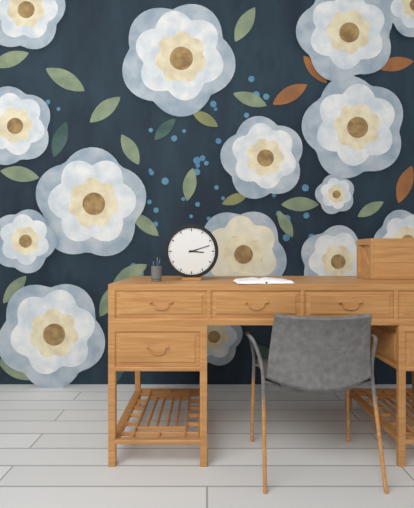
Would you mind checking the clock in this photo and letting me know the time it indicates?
3:12
